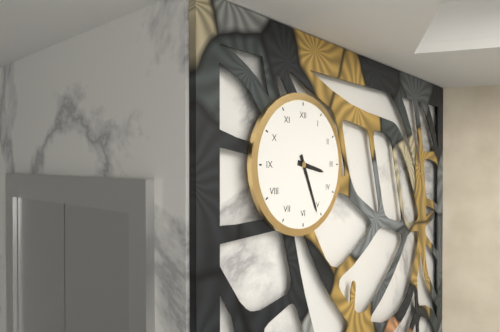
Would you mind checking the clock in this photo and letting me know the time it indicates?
3:26
